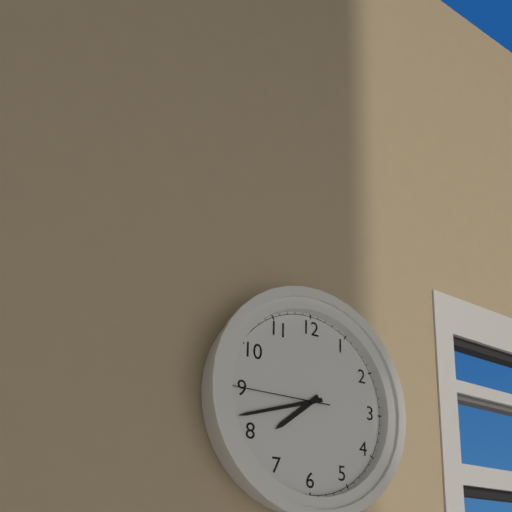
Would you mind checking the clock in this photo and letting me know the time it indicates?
7:42:45
